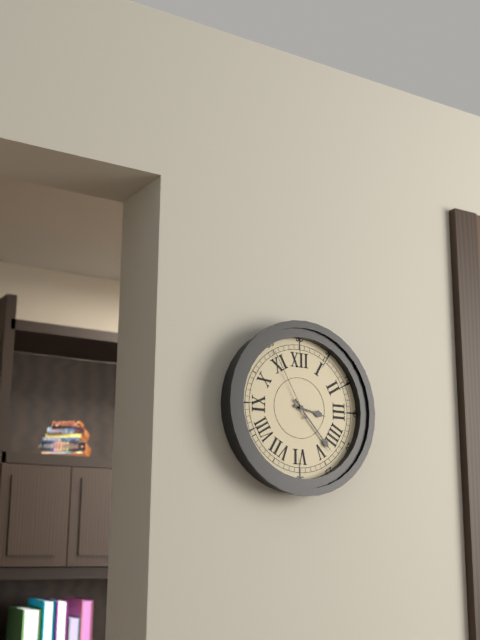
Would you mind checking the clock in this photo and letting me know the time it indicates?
3:23:55
